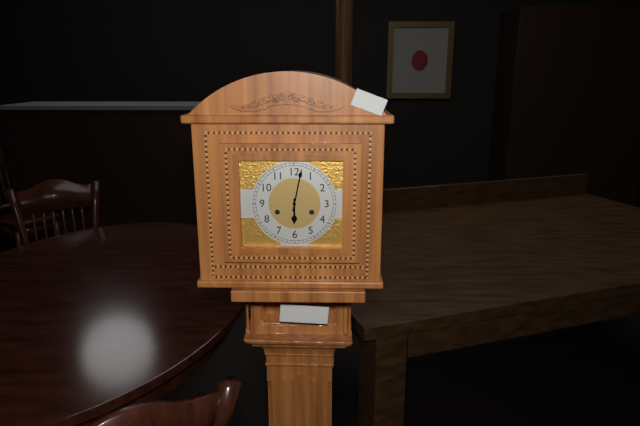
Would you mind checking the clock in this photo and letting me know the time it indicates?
6:02
